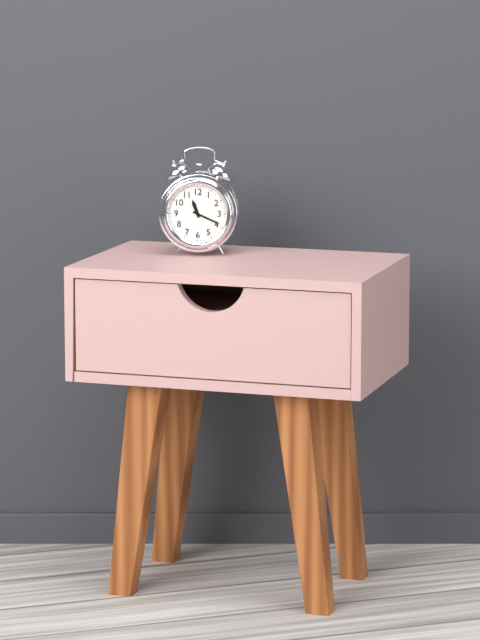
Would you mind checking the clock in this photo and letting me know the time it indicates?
11:19
